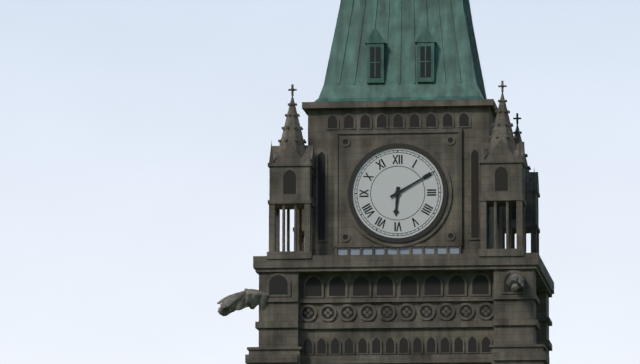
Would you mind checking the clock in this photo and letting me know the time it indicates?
6:10
